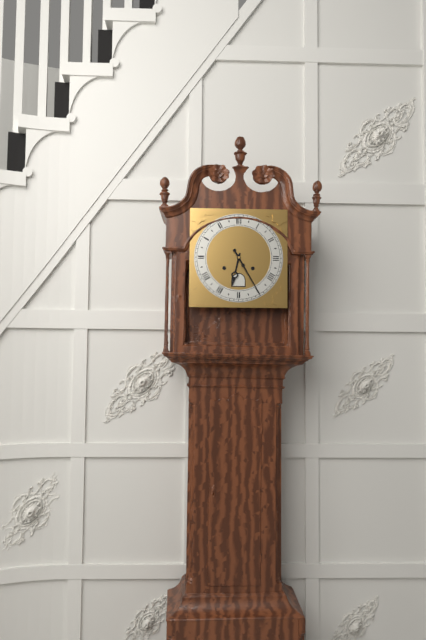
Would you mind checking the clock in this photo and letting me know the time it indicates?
6:25
